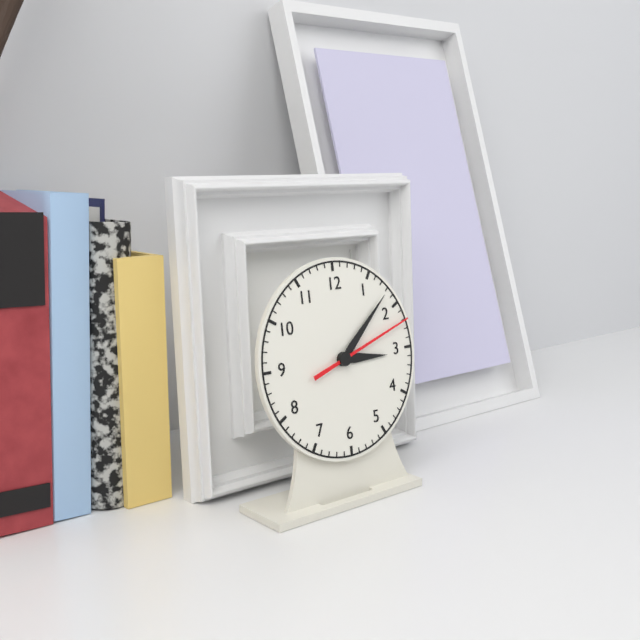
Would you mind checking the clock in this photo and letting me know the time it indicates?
3:08:12
